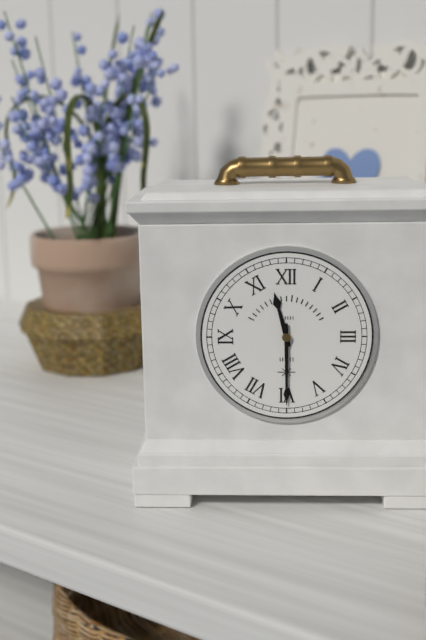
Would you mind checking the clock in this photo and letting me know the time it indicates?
11:30
